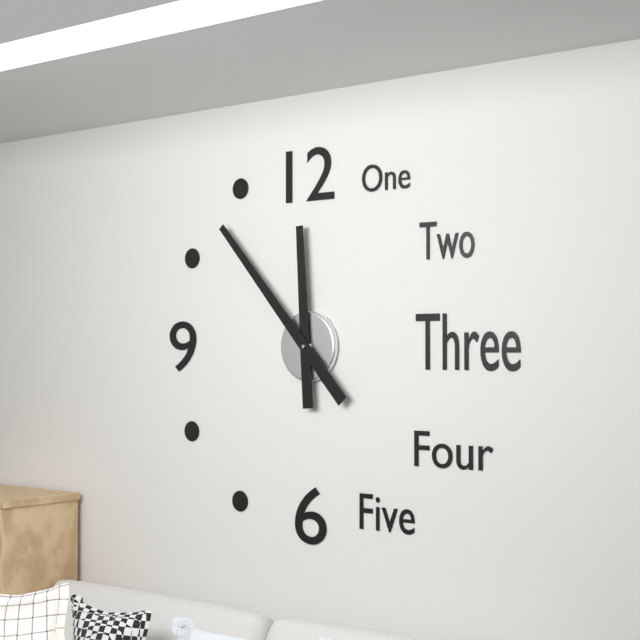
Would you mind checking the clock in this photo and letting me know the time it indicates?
11:53
